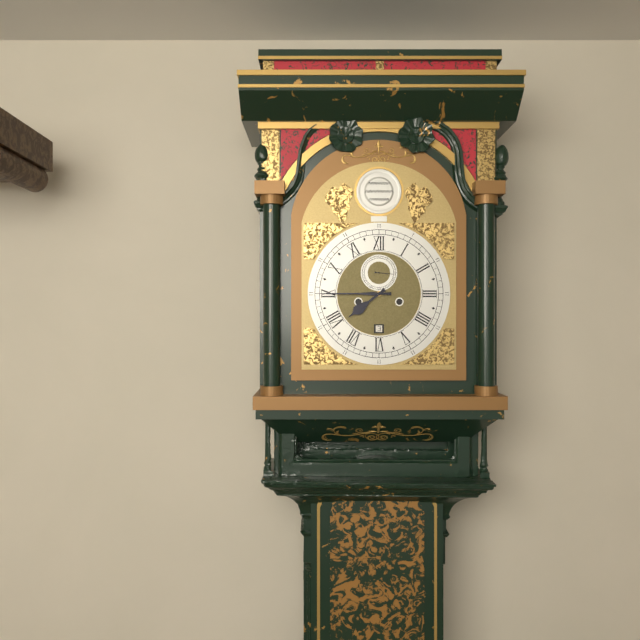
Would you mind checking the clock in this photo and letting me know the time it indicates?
7:45
